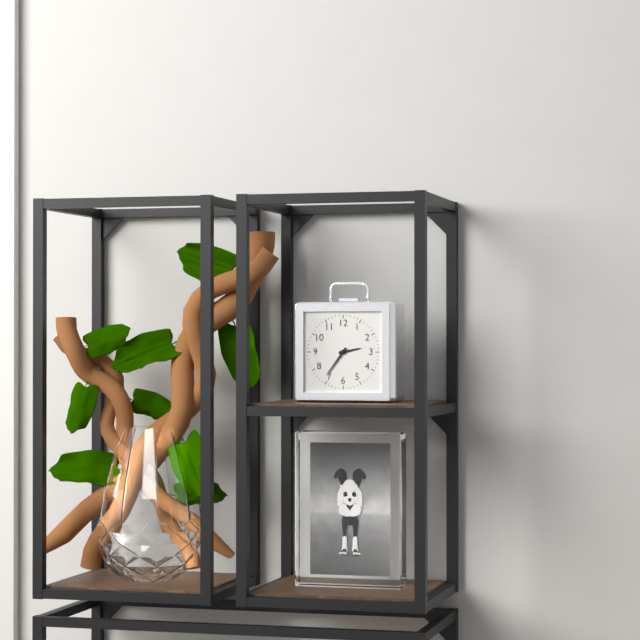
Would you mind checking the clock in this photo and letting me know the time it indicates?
2:36
